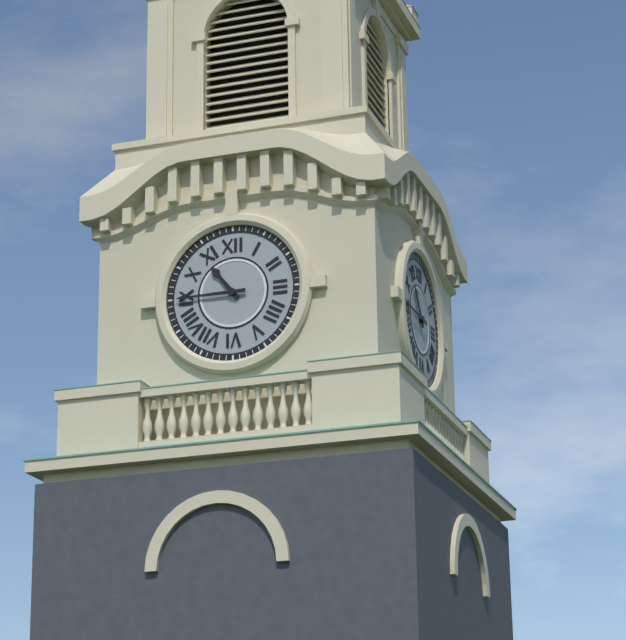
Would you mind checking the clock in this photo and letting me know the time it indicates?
10:45
